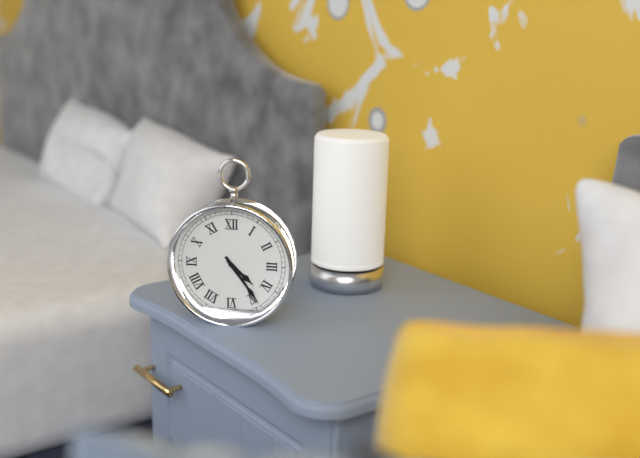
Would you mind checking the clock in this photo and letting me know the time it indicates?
4:24
